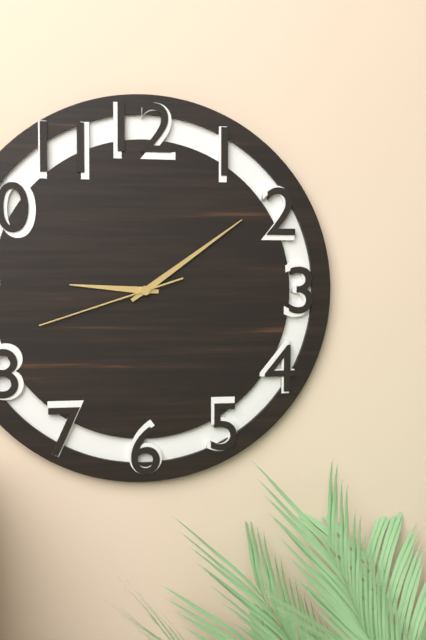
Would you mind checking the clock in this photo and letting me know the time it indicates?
9:09:42
